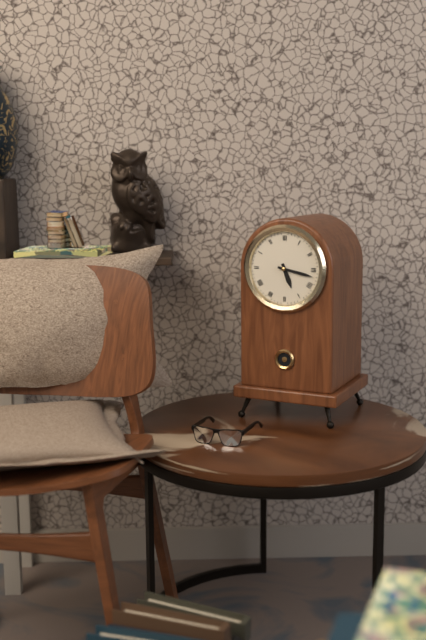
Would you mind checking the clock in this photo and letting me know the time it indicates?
5:17
